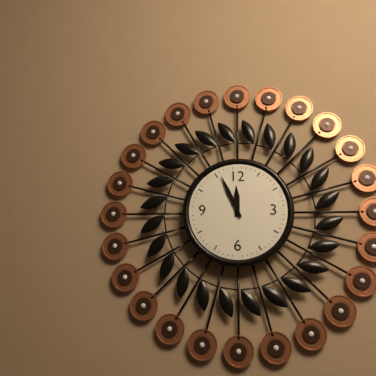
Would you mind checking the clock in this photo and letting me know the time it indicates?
11:56
